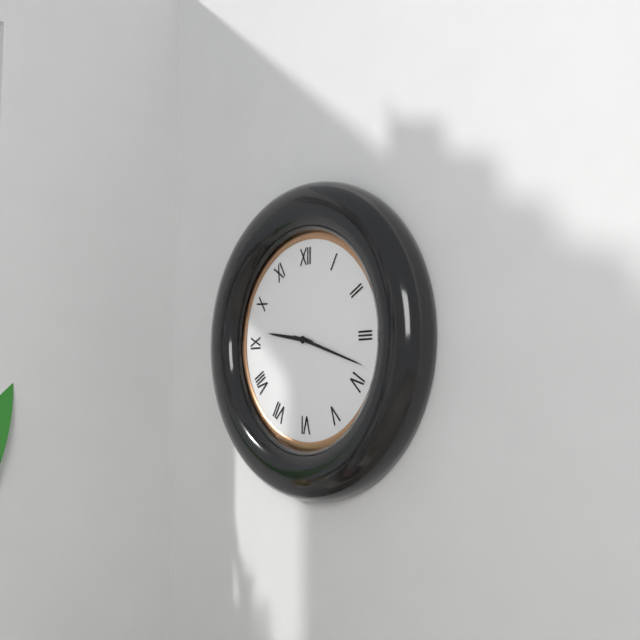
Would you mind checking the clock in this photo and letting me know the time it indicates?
9:18
